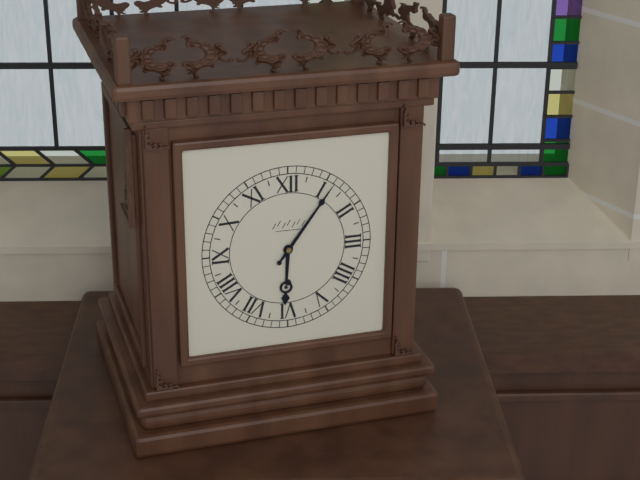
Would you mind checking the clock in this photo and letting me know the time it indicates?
6:06
